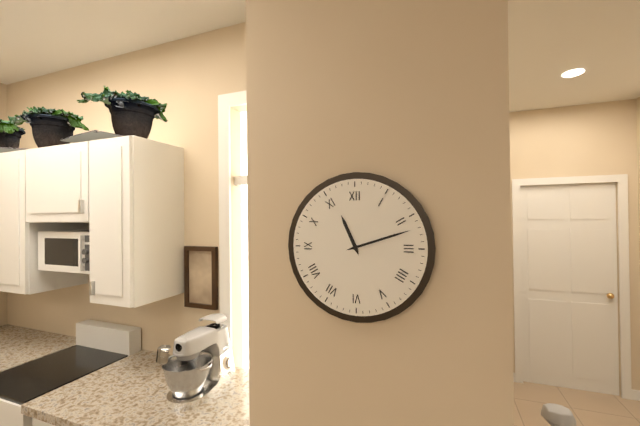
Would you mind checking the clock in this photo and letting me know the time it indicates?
11:12
